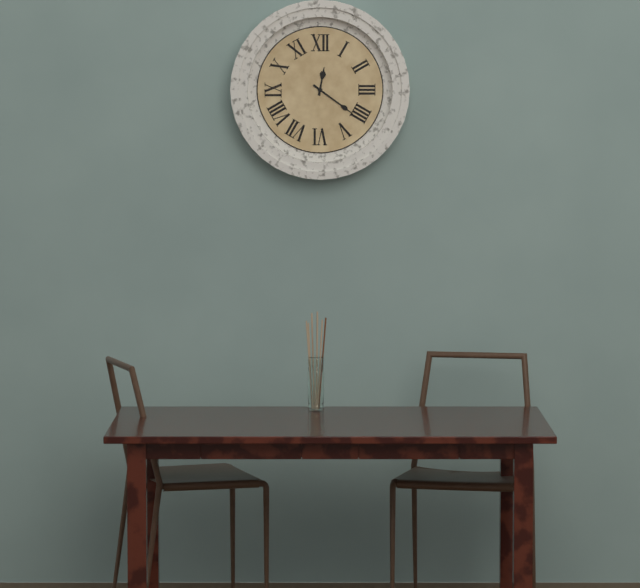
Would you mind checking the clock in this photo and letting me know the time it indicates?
12:21
